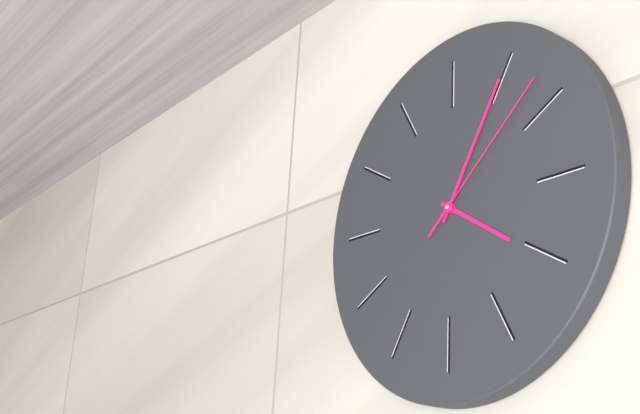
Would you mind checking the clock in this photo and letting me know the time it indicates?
4:05:08
